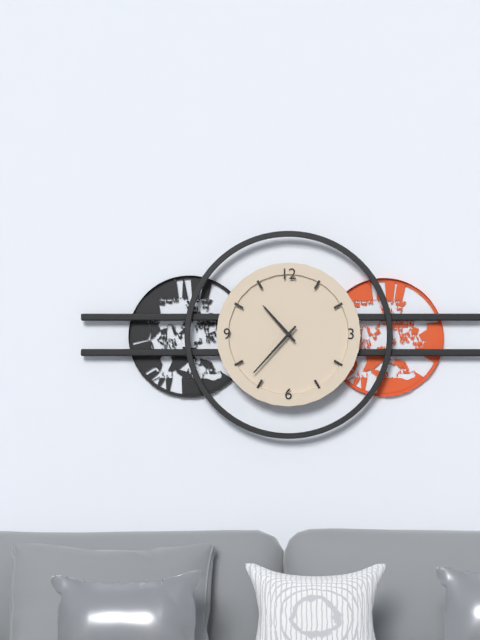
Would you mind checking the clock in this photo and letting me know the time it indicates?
10:37
